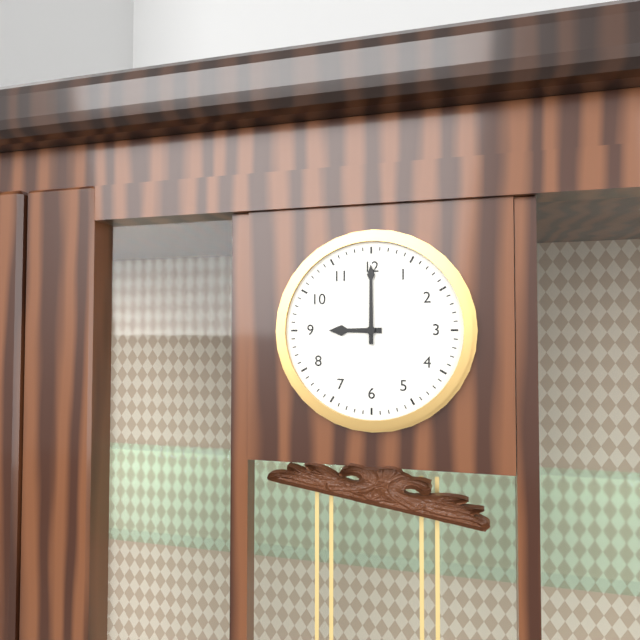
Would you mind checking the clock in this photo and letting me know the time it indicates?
9:00
